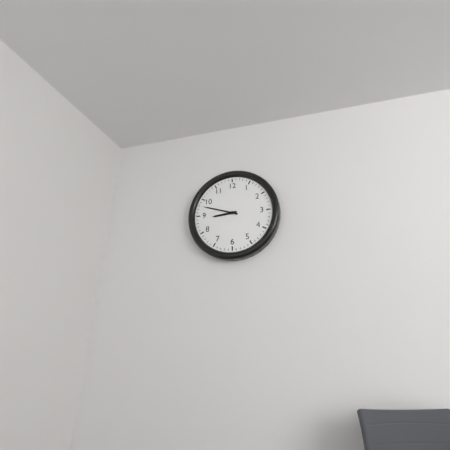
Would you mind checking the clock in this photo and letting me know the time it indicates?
8:48
